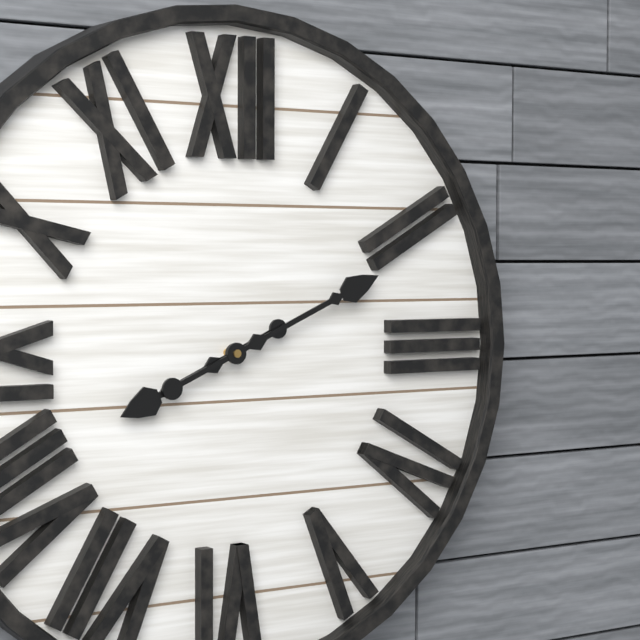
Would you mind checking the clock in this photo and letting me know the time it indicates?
8:11
